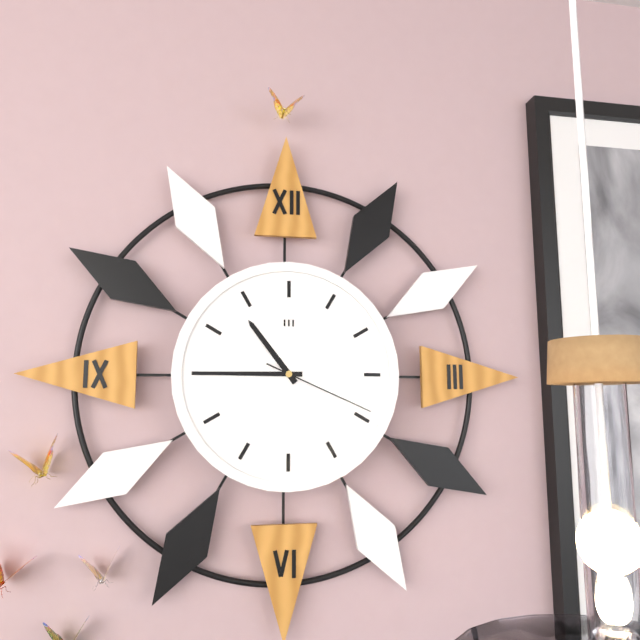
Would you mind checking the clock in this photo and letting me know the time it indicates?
10:45:19
